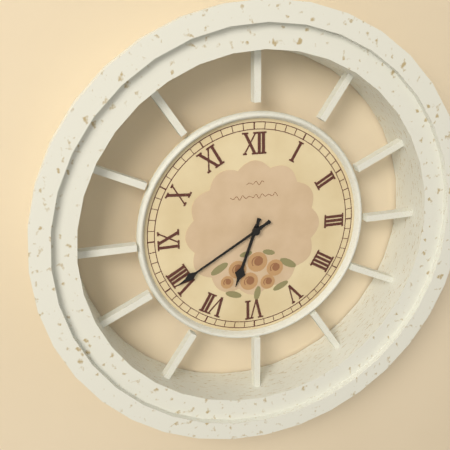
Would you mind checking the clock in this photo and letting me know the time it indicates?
6:40
